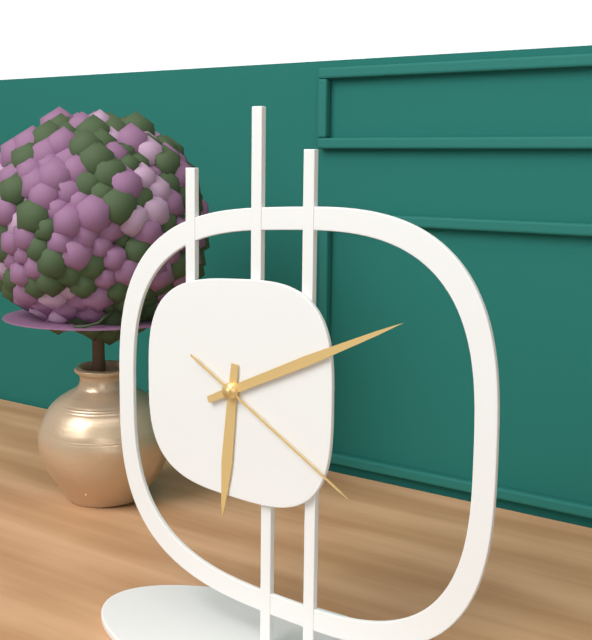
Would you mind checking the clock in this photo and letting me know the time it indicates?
6:11:20
